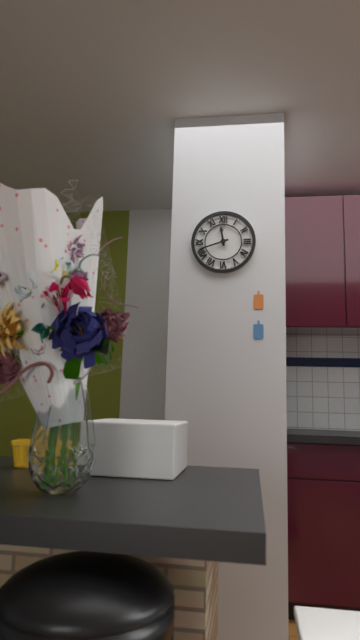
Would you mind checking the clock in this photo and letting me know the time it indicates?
11:42
